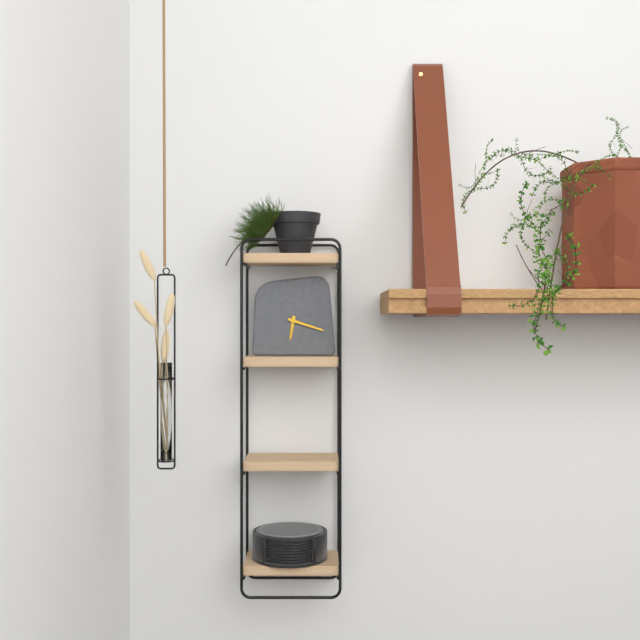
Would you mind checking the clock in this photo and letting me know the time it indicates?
6:18
